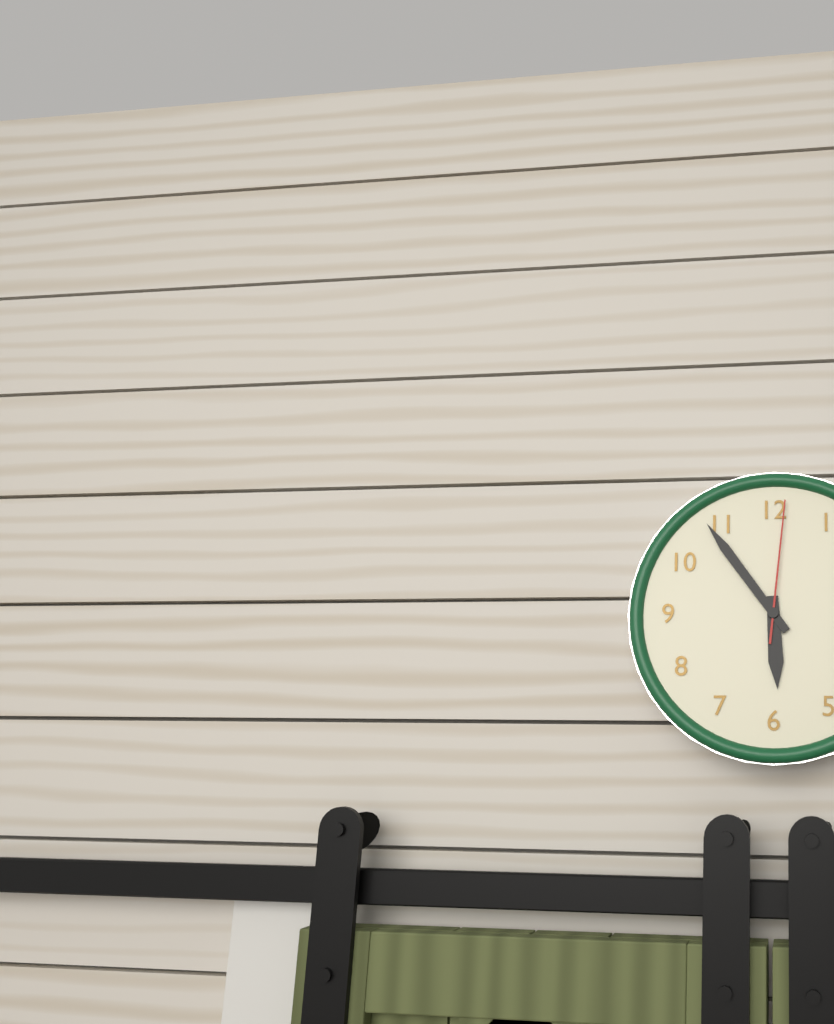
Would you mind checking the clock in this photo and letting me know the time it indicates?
5:54:01
